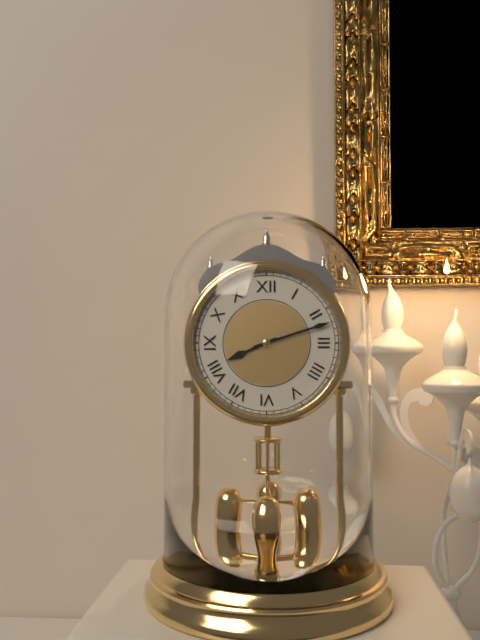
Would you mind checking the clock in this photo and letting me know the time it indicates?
8:12
